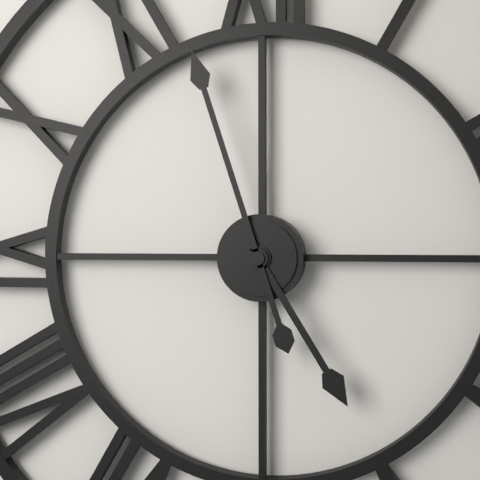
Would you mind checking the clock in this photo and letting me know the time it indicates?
4:57
